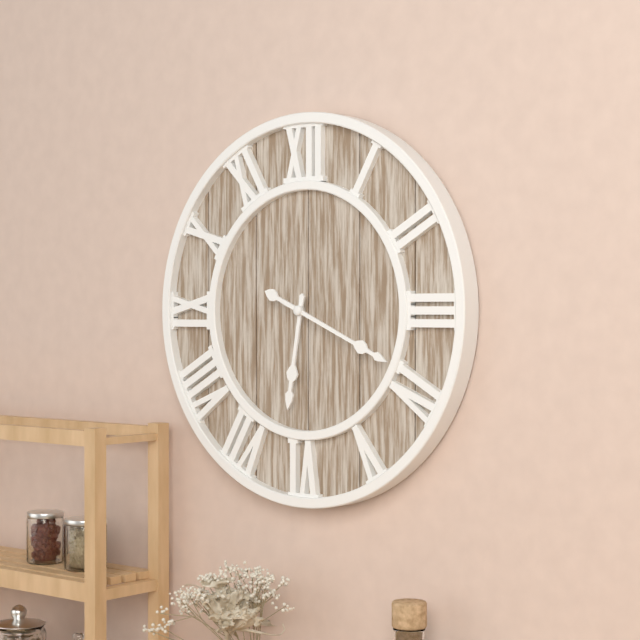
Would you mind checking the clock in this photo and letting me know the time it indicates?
6:19
